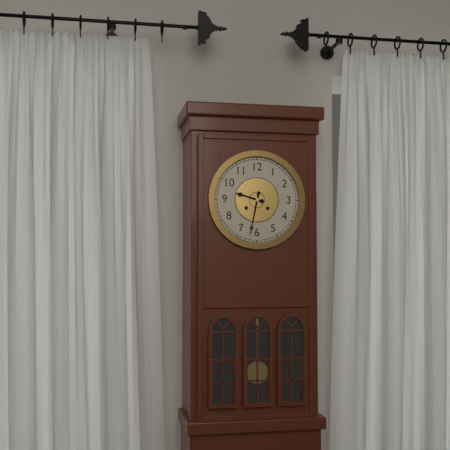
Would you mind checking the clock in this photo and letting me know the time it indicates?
9:32
